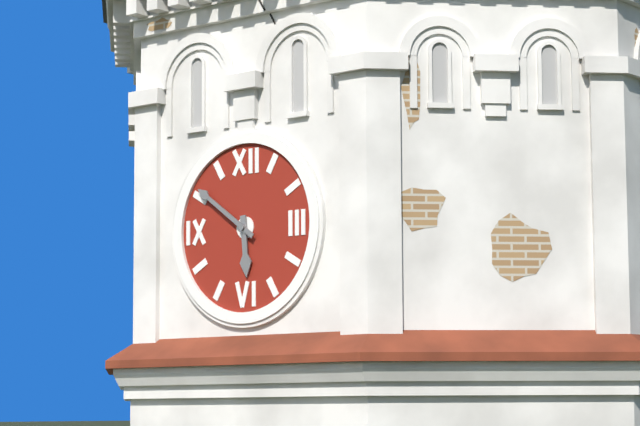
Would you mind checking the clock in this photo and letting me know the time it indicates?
5:51
